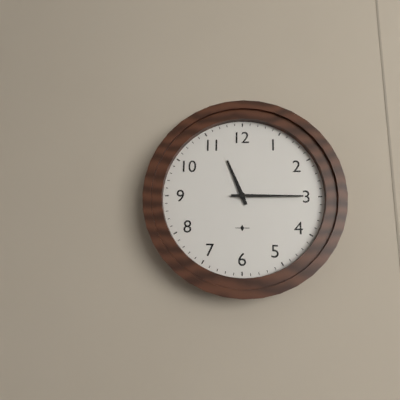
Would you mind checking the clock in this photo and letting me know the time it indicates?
11:15
